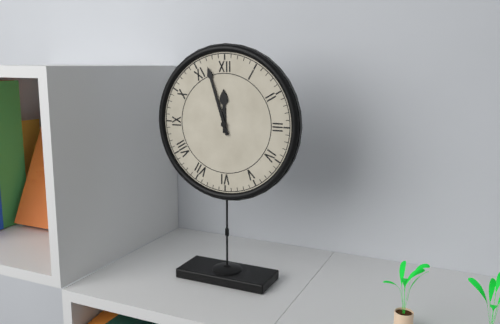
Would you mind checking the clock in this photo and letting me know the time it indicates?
11:57
